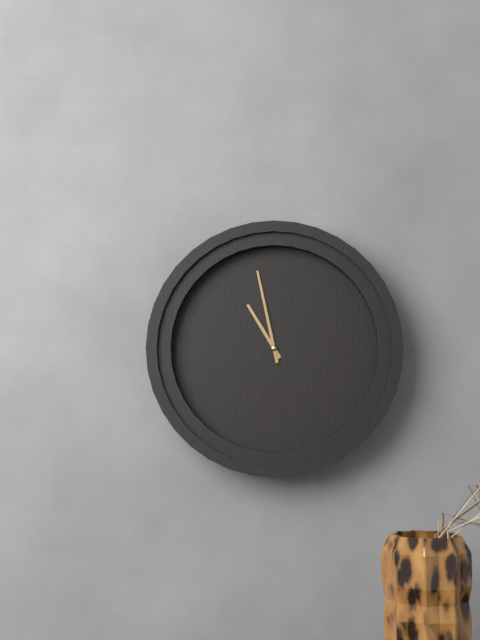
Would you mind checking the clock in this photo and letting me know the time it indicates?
10:58
